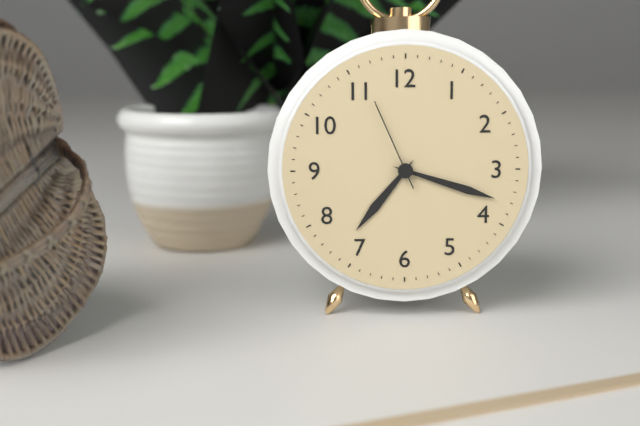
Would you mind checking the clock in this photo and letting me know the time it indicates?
7:18:56
